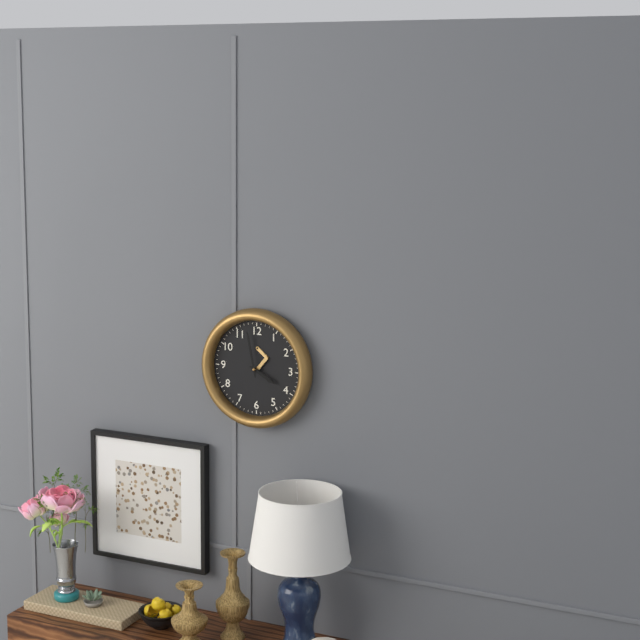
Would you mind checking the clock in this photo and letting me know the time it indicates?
3:58
